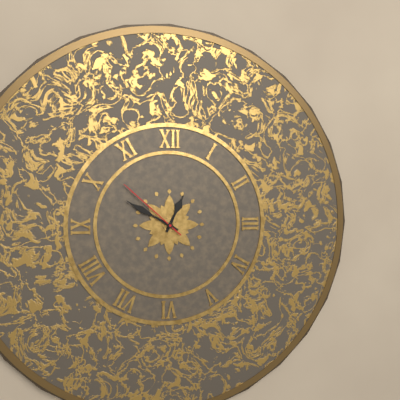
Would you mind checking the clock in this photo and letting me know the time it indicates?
12:50:52
